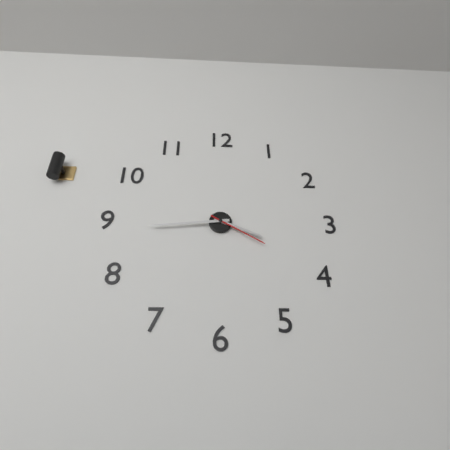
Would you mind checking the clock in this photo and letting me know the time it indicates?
3:44:20
